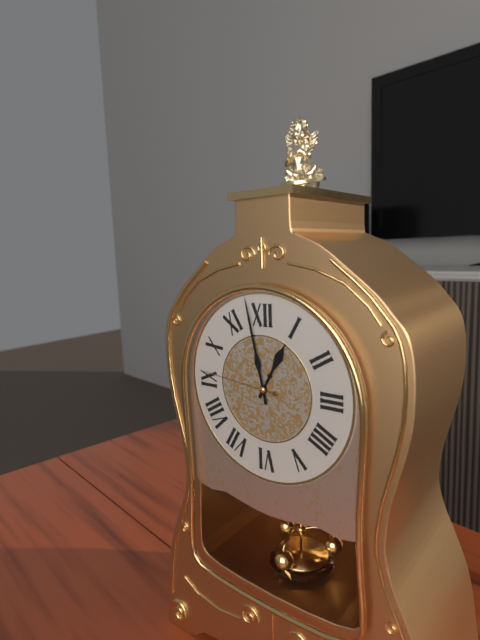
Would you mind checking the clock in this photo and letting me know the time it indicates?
12:58:46
